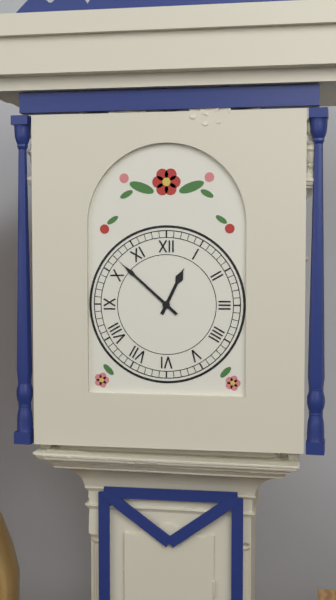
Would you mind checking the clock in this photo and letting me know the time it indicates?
12:52
